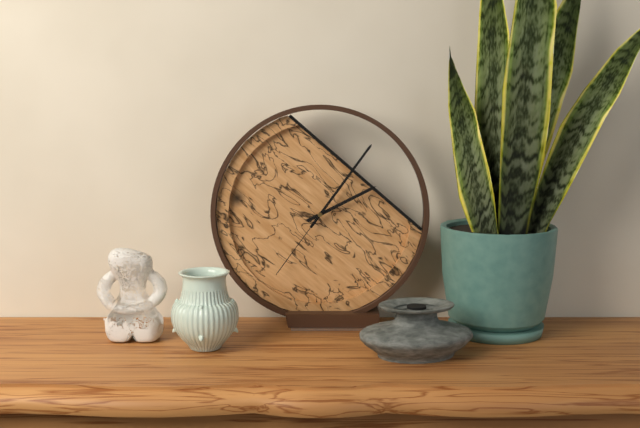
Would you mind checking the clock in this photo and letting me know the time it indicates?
2:06:36
